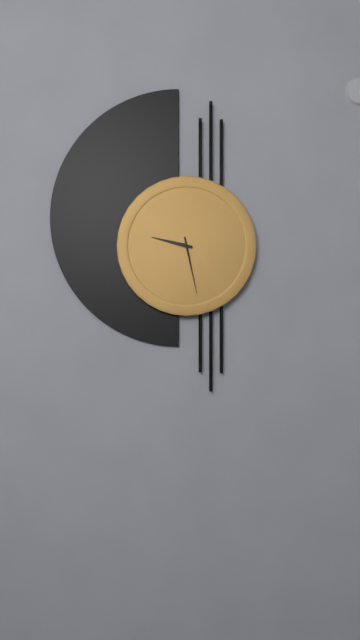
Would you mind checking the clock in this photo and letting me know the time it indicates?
9:28
